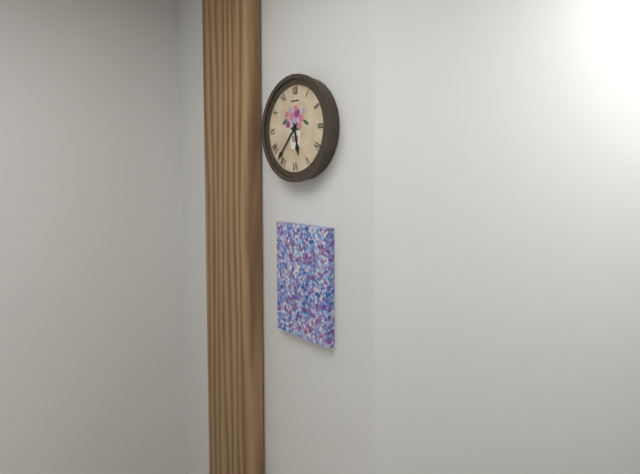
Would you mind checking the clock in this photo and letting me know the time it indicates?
5:37
